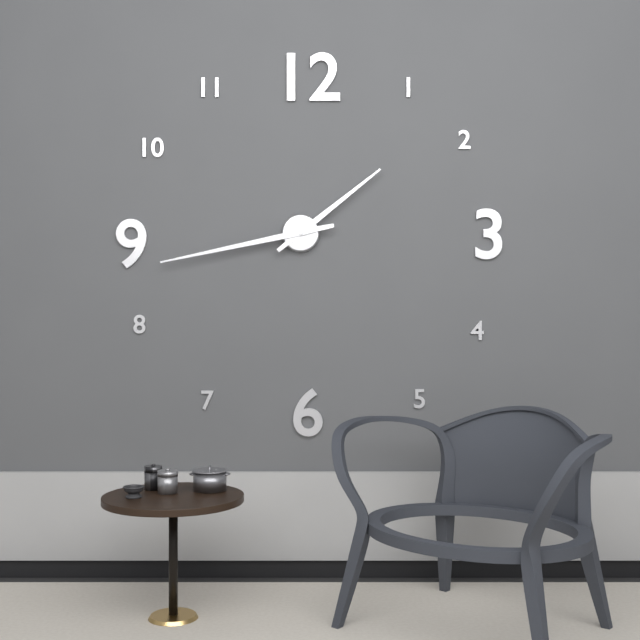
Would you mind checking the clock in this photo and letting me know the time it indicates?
1:43
